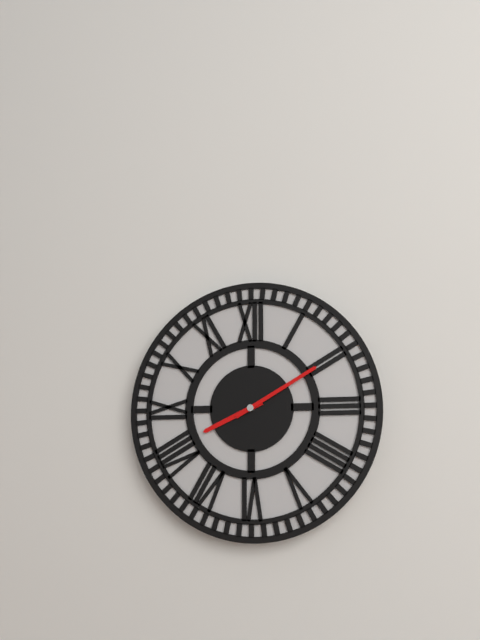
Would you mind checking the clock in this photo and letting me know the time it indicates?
8:10
